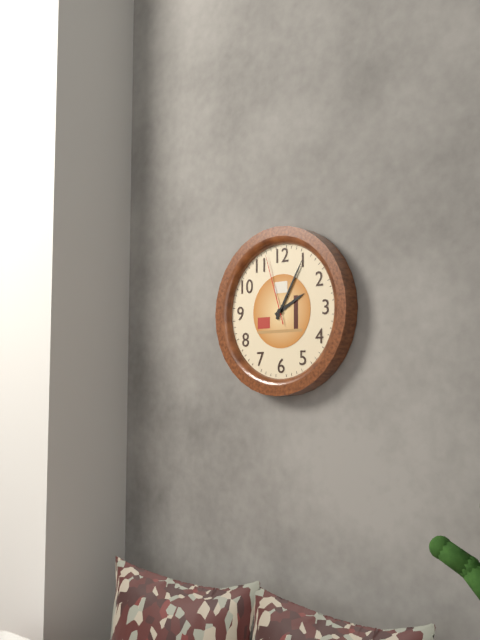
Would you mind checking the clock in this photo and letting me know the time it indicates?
2:05:57
